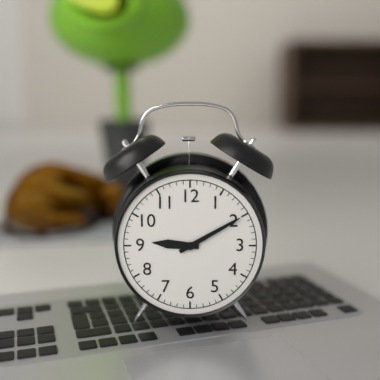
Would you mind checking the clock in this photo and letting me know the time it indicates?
9:10
